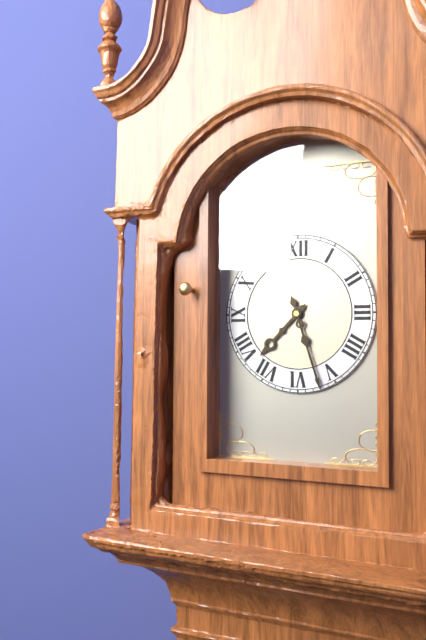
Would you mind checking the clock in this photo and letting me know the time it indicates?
7:27
